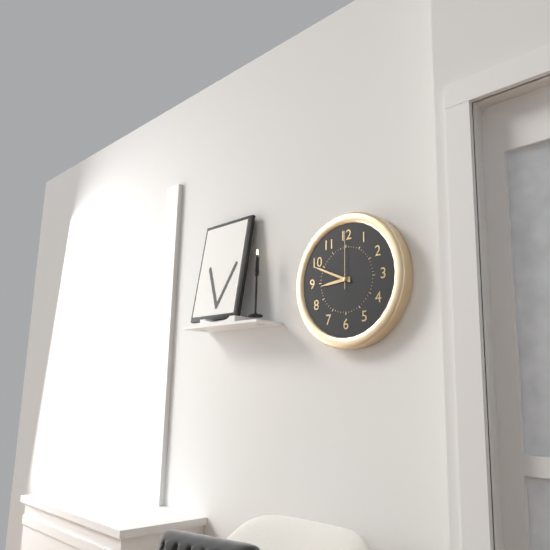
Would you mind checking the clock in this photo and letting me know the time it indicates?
8:49:00
